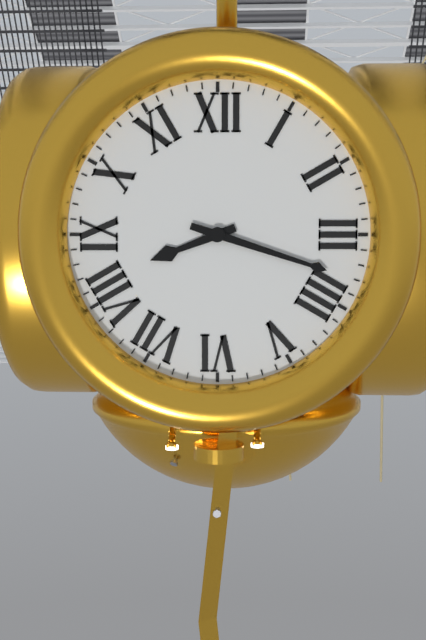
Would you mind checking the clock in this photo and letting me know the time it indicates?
8:18
